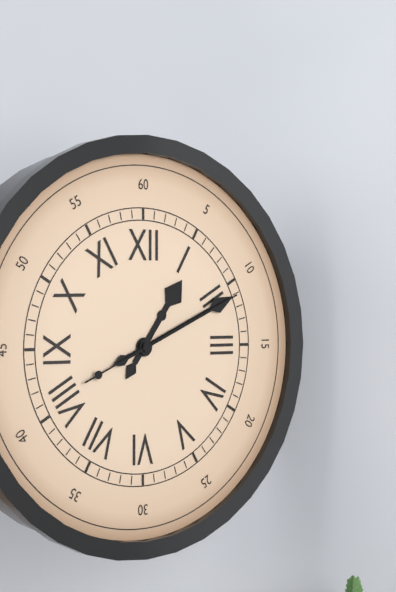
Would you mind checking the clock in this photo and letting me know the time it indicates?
1:11:11
